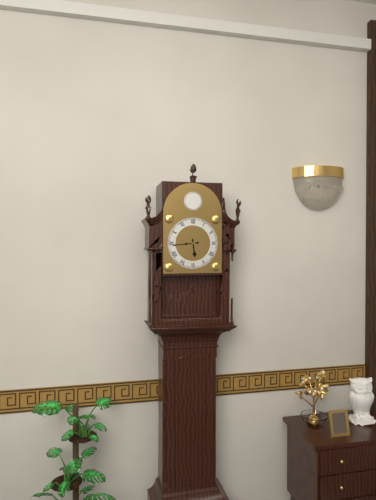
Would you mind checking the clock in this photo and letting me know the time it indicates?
5:44
